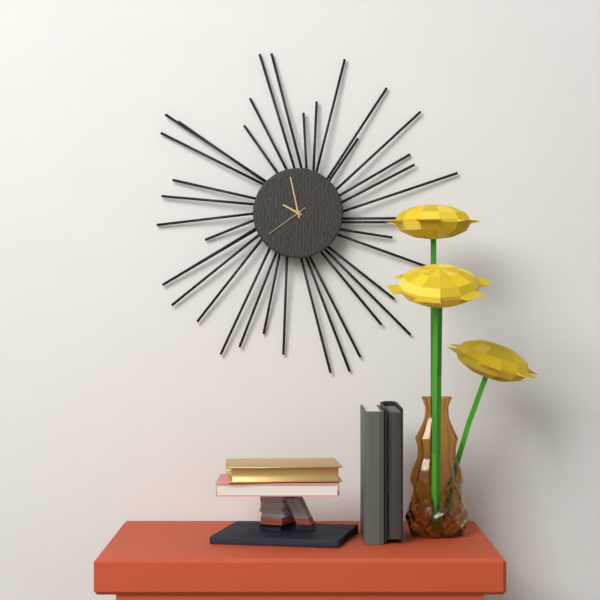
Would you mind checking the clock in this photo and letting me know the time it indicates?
9:58
